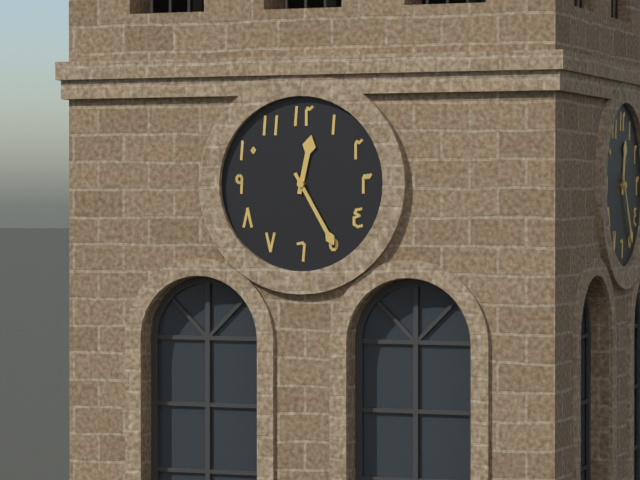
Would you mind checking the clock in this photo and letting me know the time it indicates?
12:25
